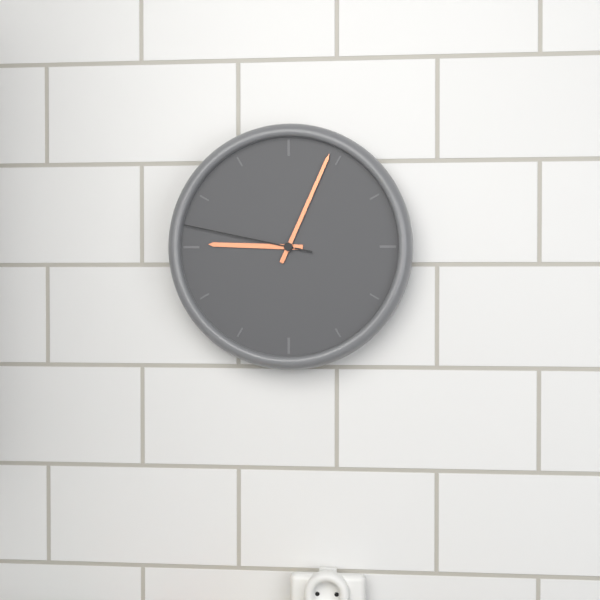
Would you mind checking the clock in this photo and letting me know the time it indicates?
9:04:47
